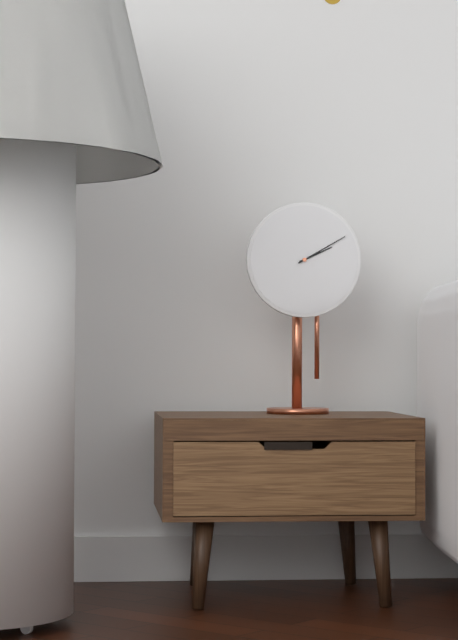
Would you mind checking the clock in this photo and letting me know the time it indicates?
2:10
